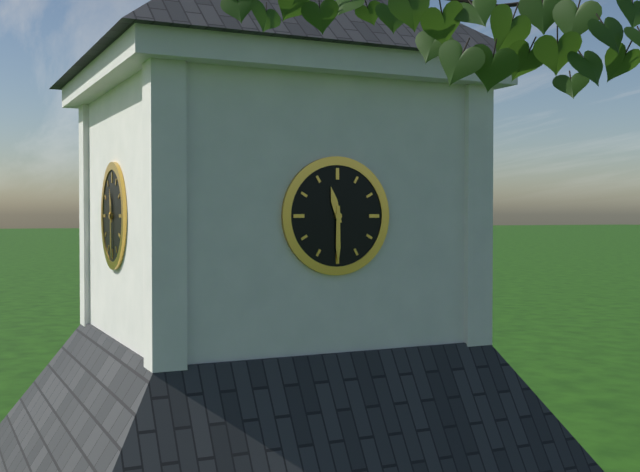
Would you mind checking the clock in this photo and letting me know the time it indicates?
11:30
